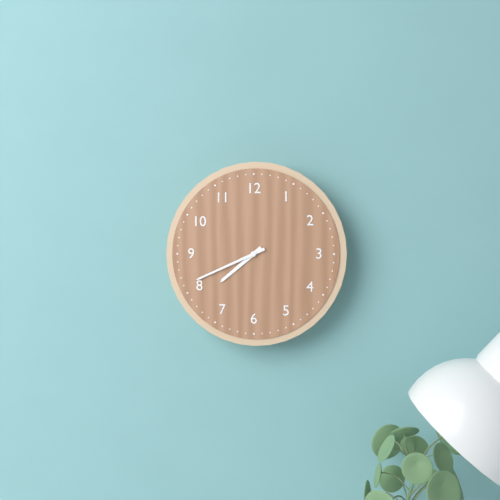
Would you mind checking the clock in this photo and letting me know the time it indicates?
7:41
